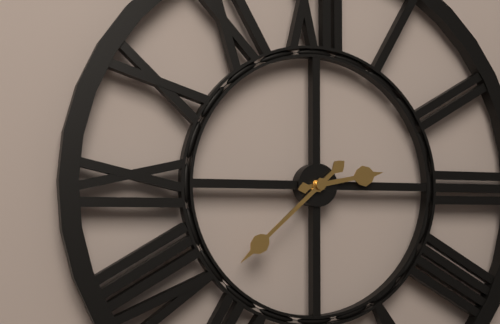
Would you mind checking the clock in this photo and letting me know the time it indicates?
2:38
